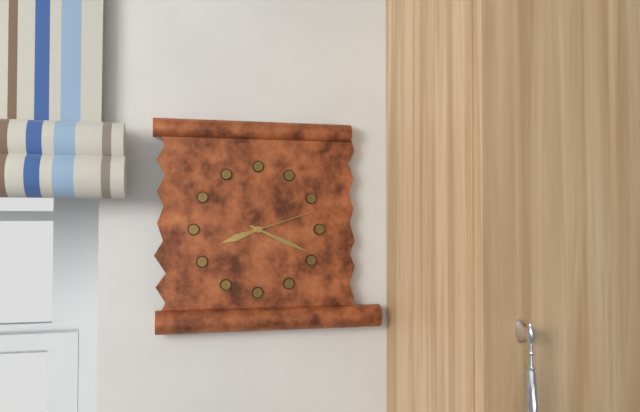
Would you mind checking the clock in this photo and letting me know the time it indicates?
8:19:12
